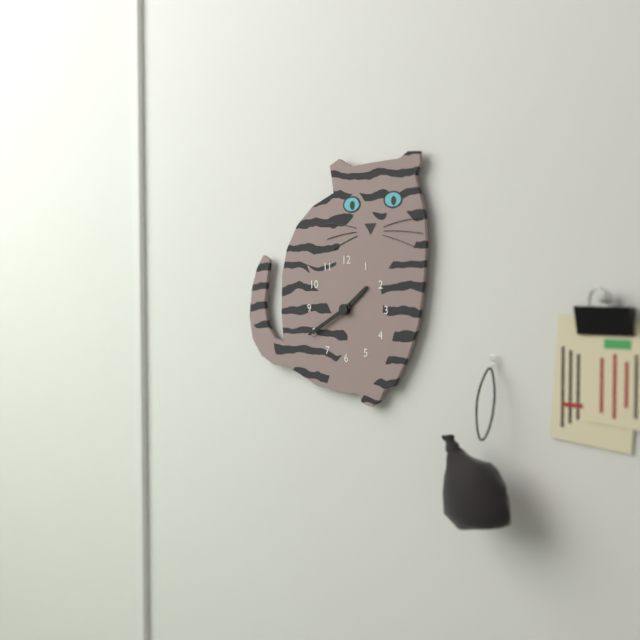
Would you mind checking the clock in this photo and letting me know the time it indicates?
1:40
